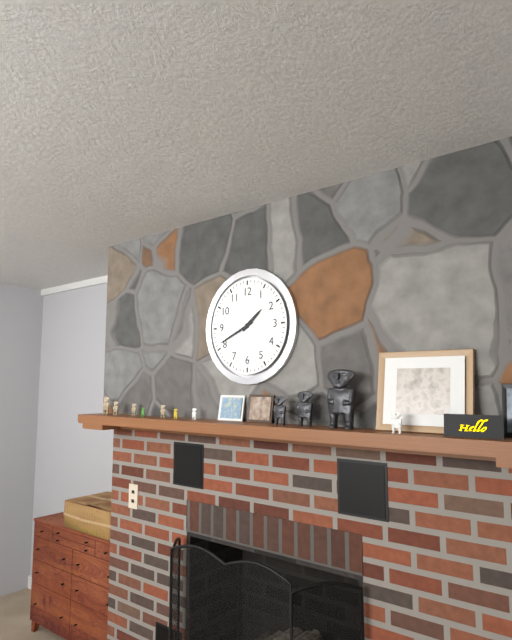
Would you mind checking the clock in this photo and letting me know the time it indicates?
1:41
